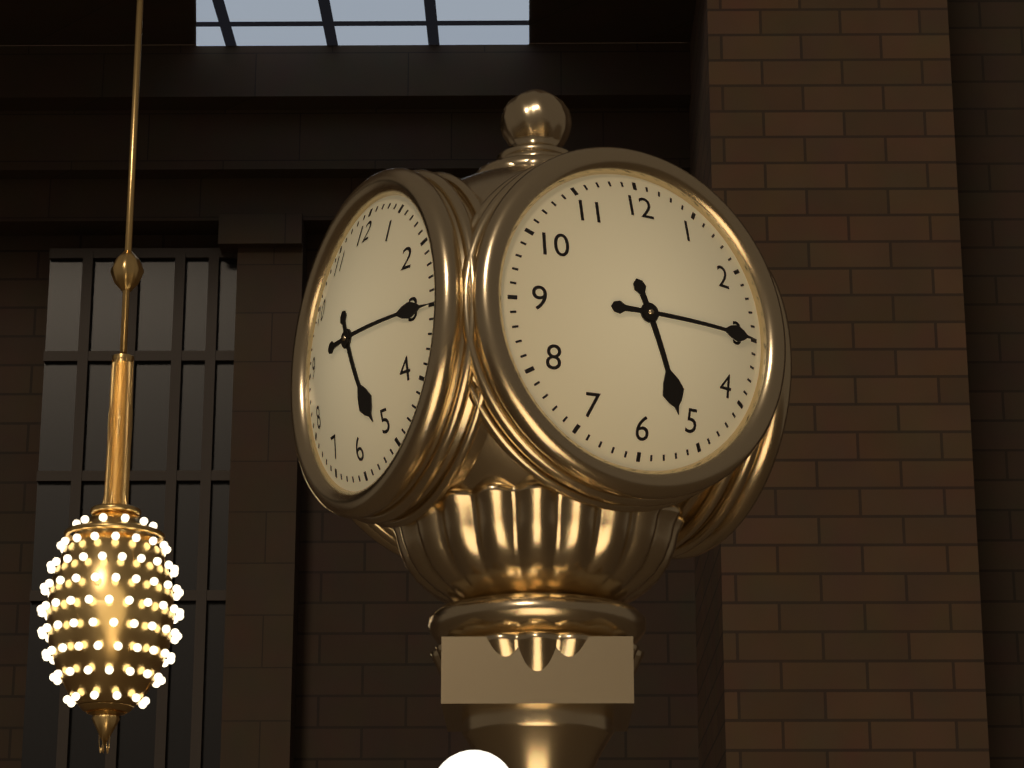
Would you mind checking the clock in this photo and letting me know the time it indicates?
5:15
